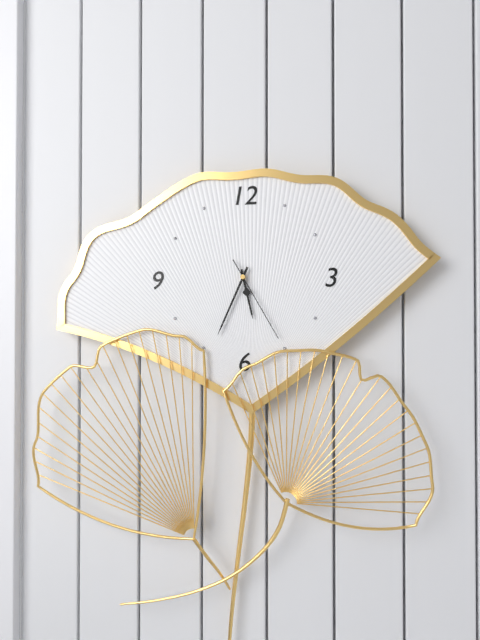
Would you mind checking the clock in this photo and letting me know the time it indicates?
5:34:25
